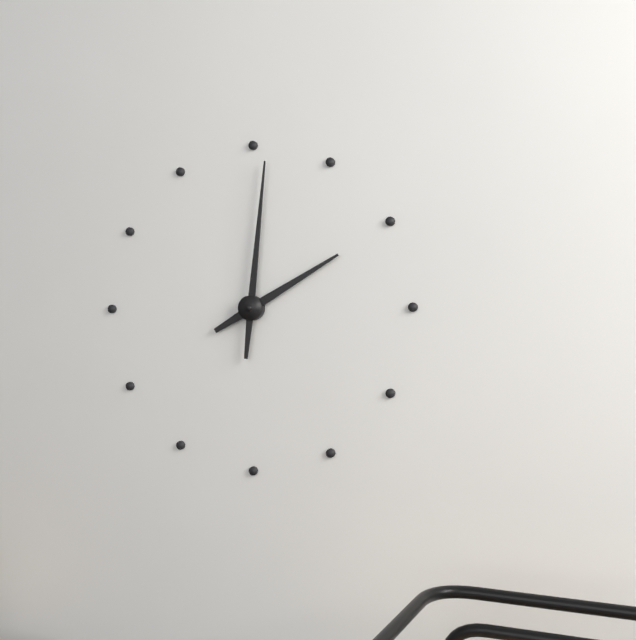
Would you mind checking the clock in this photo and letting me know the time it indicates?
2:01
